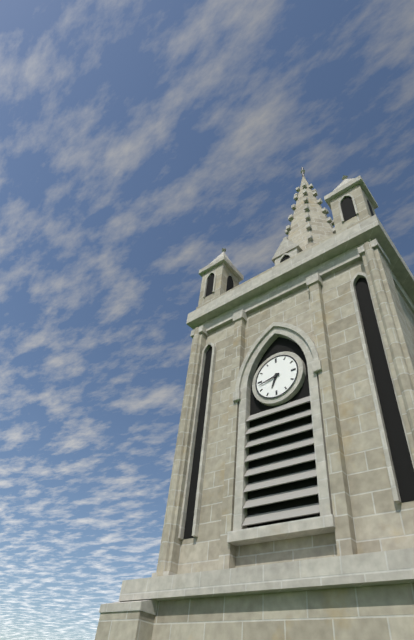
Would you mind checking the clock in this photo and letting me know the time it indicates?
6:43
